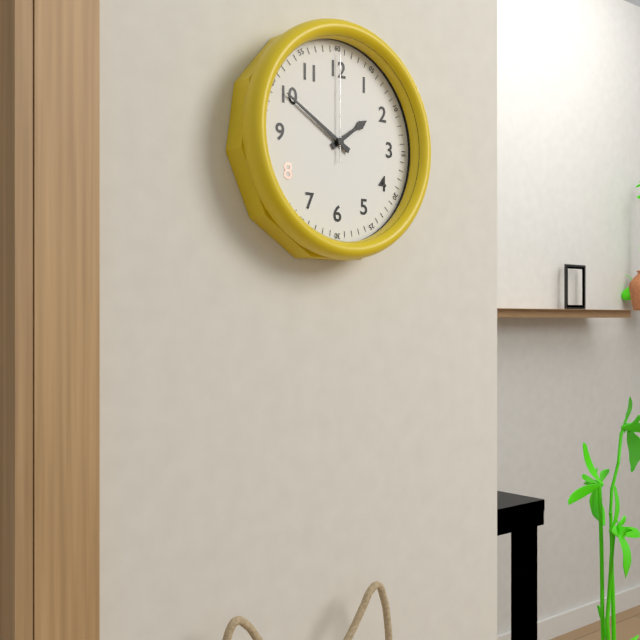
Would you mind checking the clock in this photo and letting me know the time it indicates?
1:50:00
